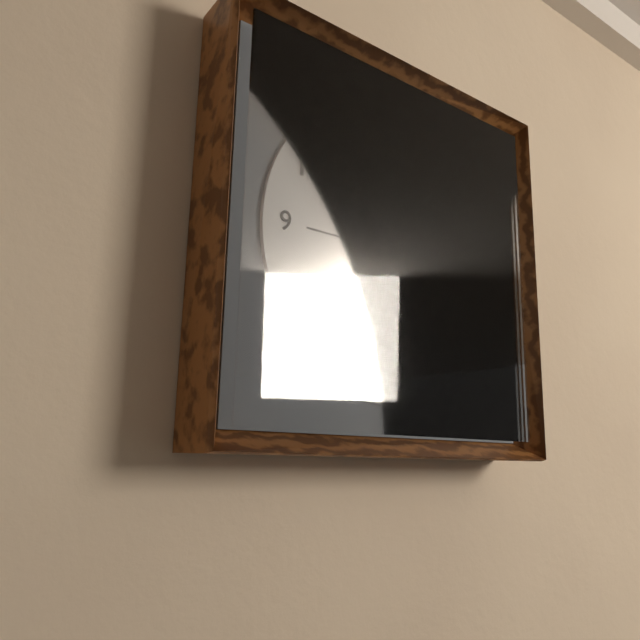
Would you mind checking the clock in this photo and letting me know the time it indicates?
4:52:35
